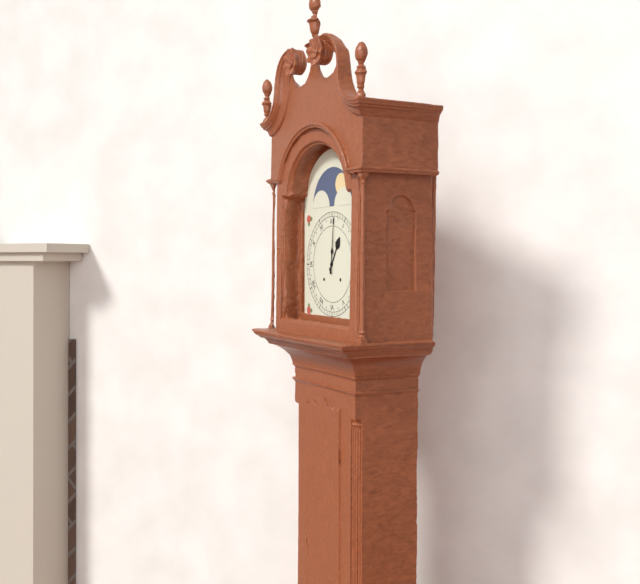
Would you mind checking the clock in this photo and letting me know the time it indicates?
1:01
